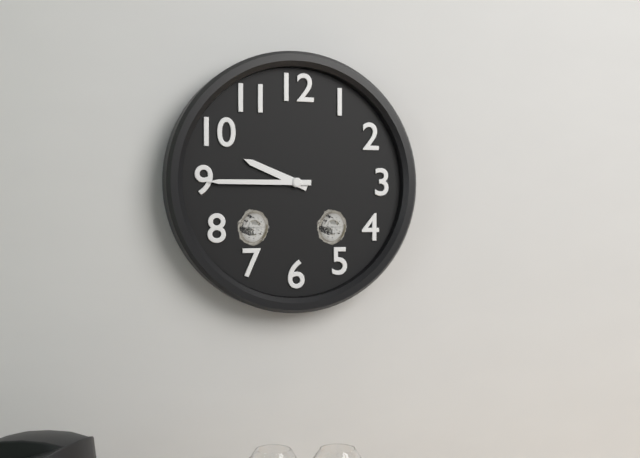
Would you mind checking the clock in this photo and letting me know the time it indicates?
9:45
